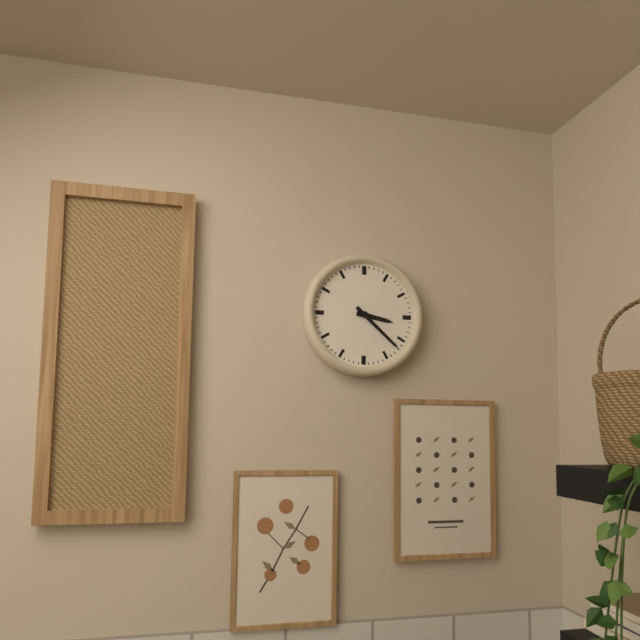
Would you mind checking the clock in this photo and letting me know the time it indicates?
3:22
